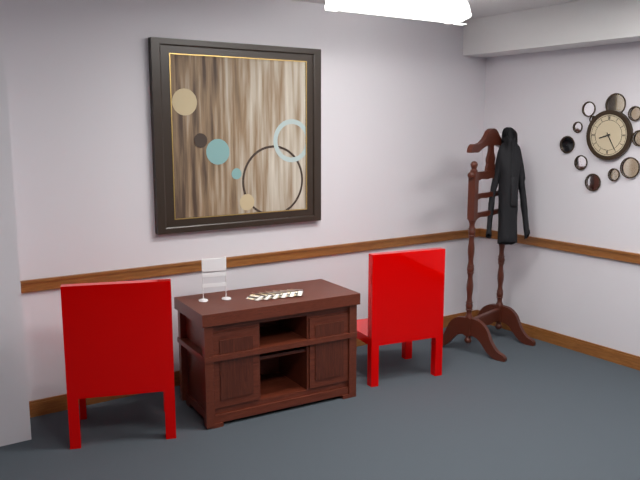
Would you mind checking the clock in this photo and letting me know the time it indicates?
8:25
